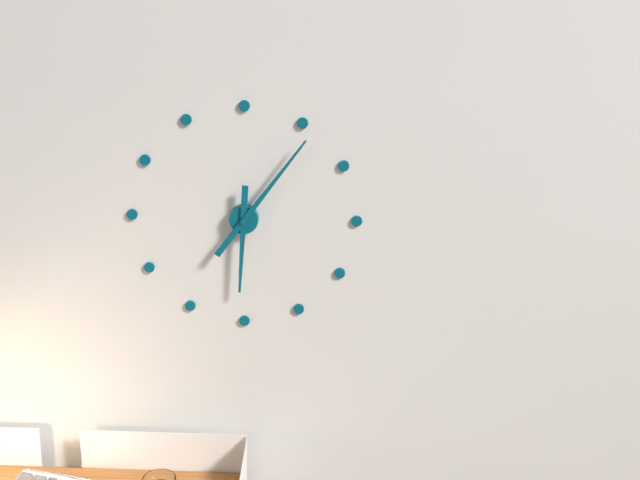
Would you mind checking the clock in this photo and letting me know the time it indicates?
6:06
